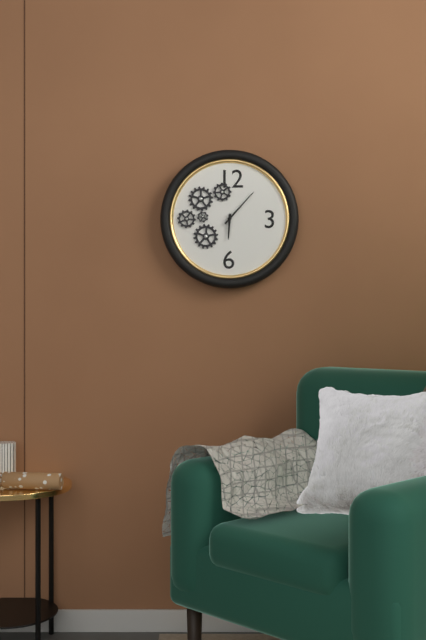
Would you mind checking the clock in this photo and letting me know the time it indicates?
6:07
